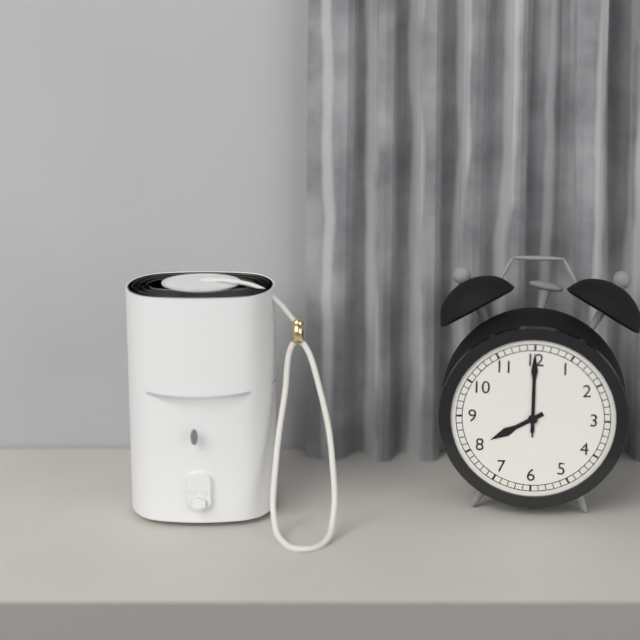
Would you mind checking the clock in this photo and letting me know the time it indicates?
8:00:00
